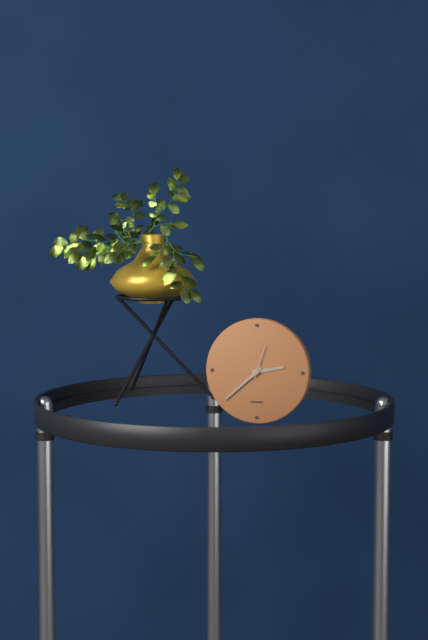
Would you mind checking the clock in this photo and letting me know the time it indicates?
2:38
